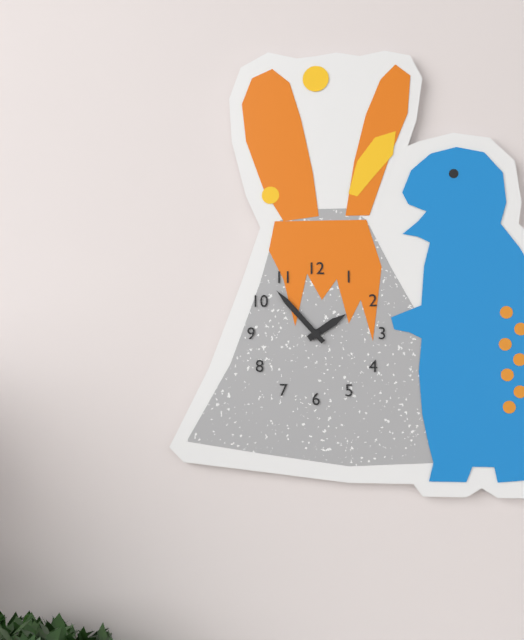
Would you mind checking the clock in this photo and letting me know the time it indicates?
1:53
